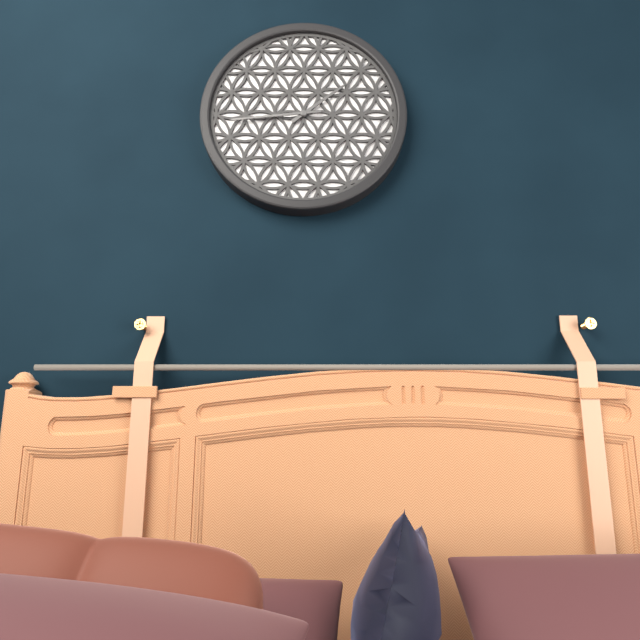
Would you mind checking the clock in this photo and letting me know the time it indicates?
1:44
